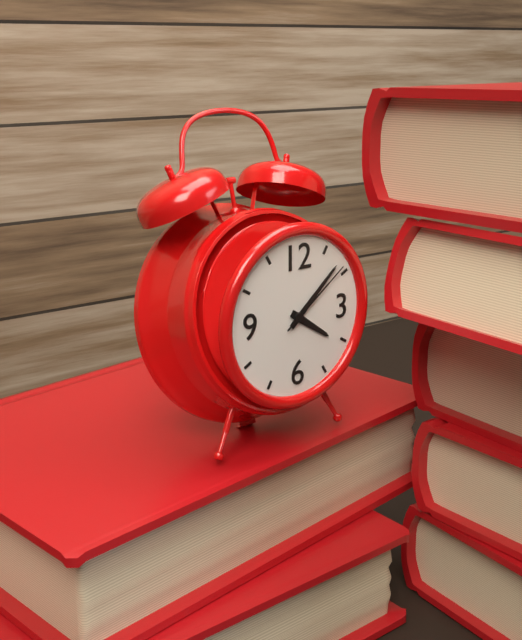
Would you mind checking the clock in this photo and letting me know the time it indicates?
4:08:09
